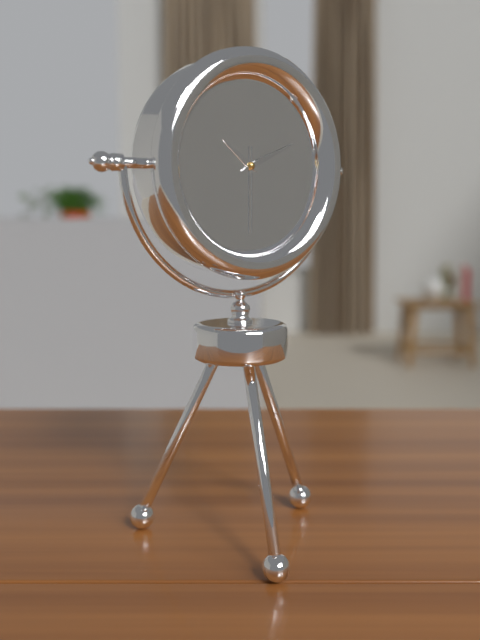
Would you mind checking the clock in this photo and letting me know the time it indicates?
10:11:30
